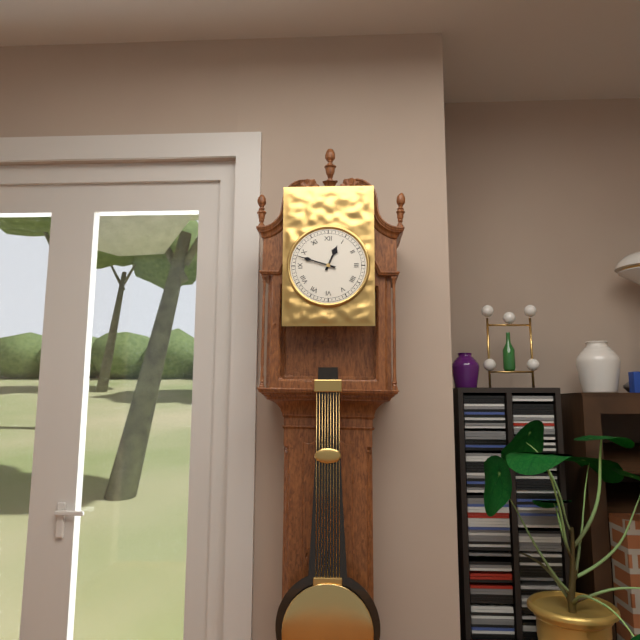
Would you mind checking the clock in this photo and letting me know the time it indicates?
12:48
